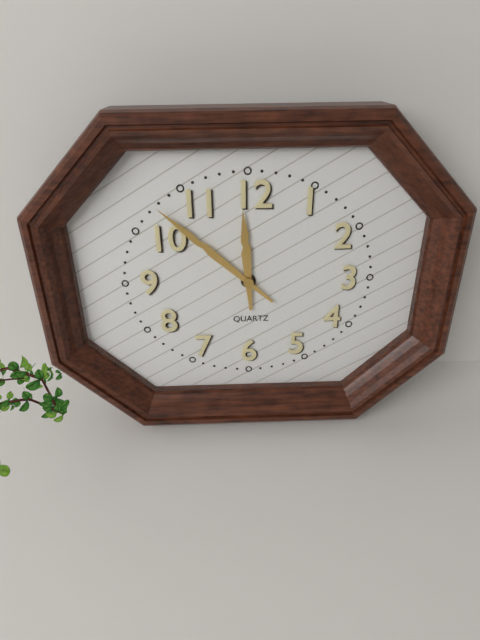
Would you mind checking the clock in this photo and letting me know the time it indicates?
11:52
